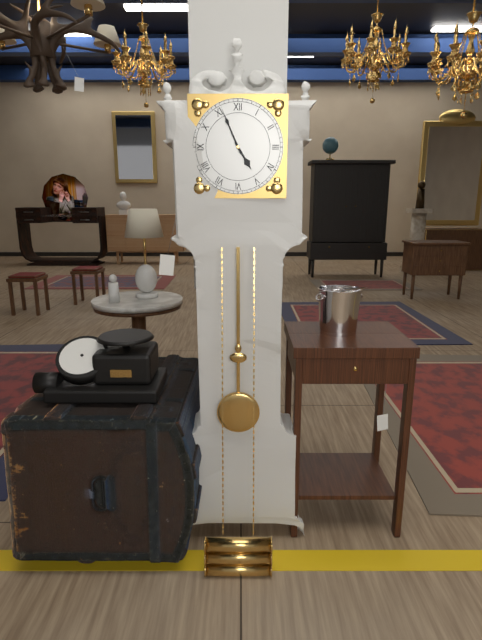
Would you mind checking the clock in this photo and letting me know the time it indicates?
4:56
